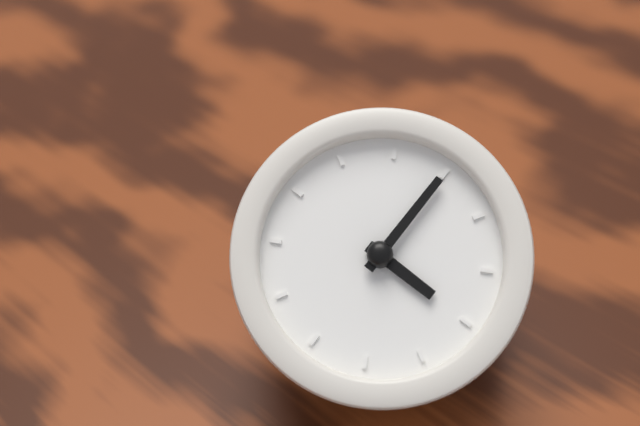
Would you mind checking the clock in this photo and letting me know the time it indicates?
3:00
